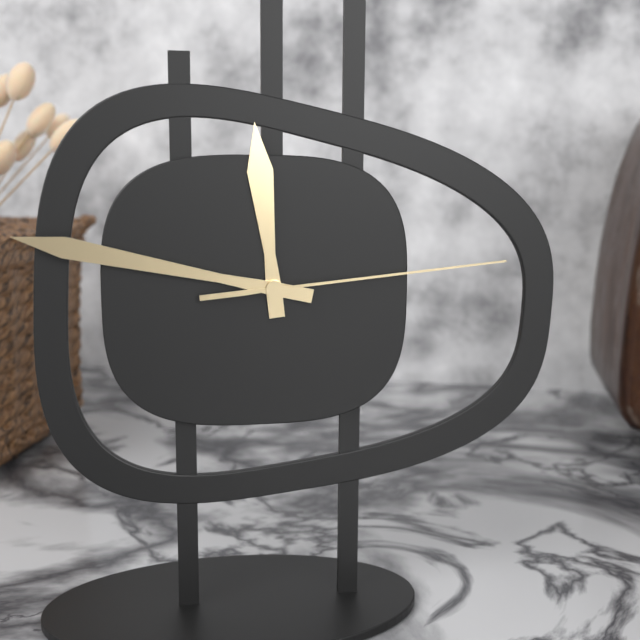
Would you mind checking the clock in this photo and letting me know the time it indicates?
11:47:14
